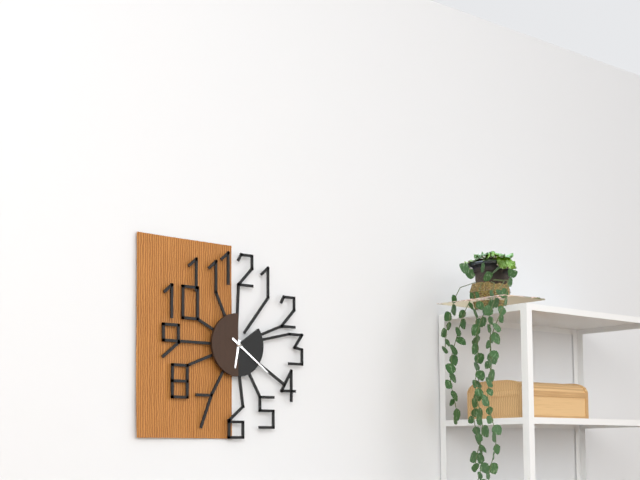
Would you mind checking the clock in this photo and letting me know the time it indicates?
6:21
